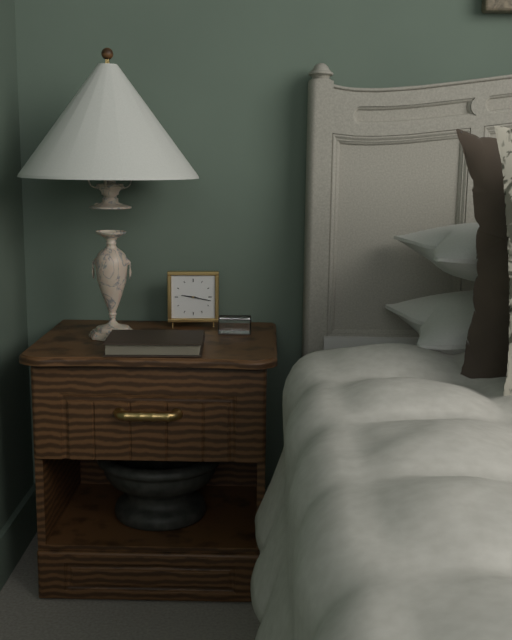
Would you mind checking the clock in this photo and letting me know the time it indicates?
9:17
